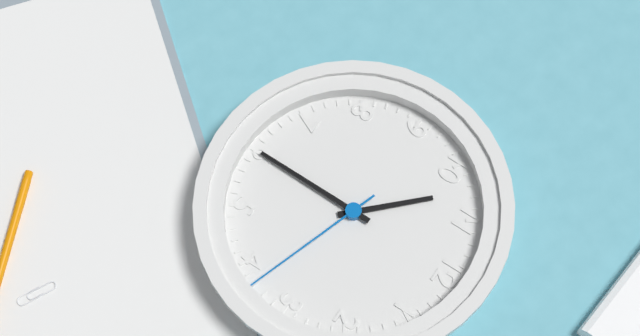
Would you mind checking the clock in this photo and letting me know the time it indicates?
10:30:18
